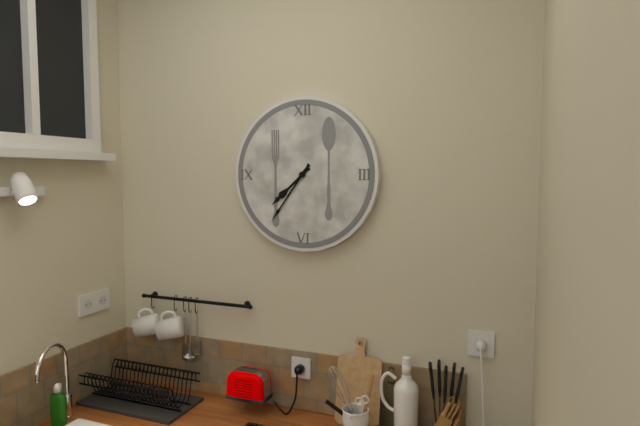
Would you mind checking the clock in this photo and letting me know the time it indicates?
7:36
